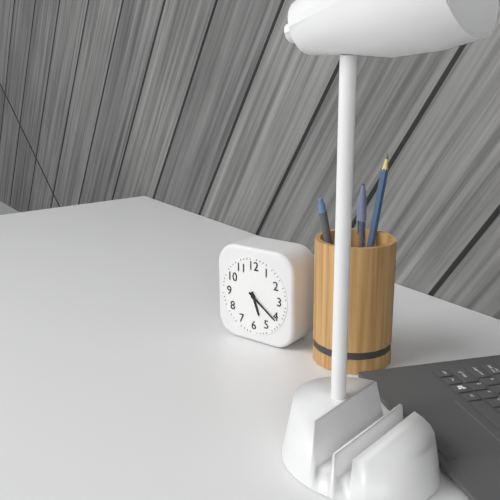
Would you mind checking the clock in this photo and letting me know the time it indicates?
5:21
